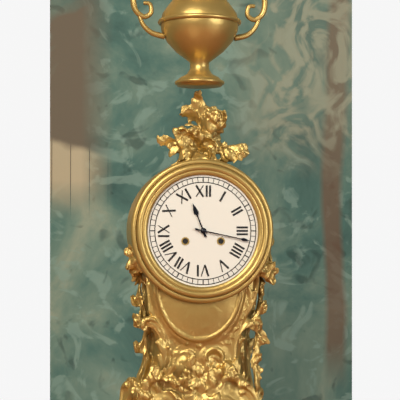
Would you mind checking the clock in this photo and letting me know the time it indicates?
11:17
